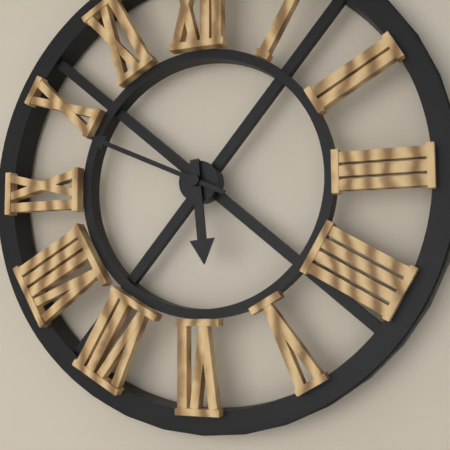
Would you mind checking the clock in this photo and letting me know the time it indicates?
5:49
